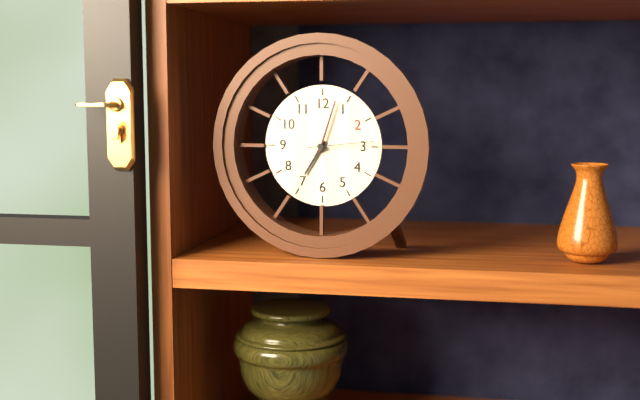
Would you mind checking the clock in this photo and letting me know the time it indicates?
7:03:14
